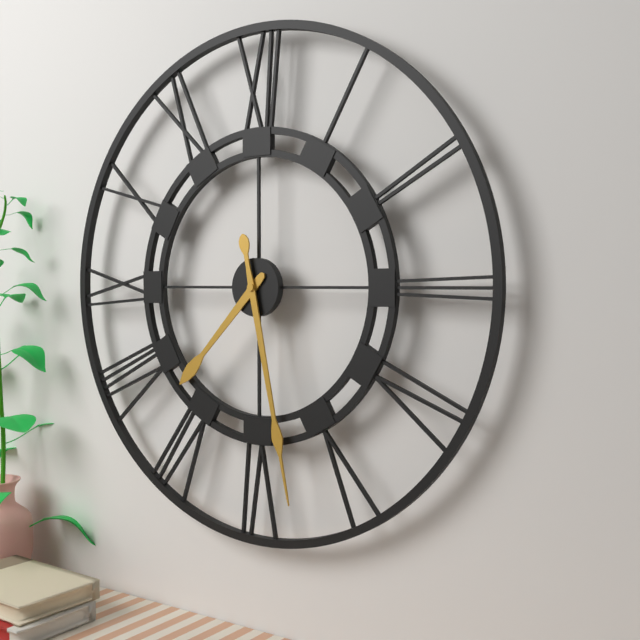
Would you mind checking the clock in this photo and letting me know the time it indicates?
7:28
